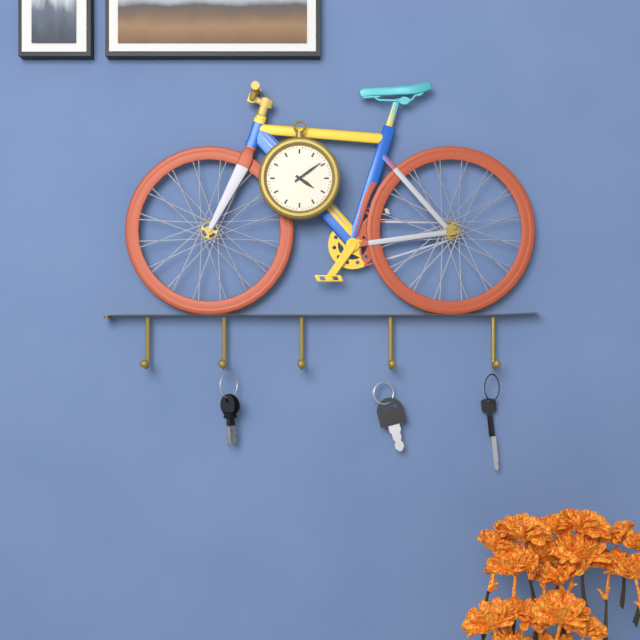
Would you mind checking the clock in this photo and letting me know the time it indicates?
4:09
